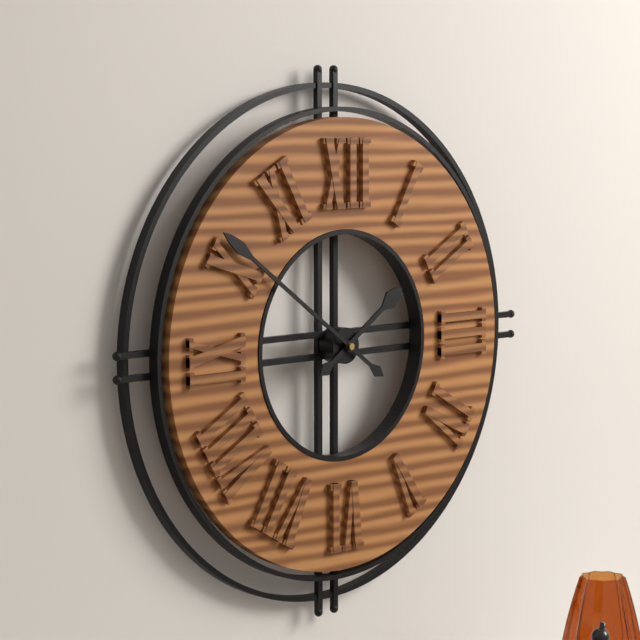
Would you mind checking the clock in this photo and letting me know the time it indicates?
1:51
